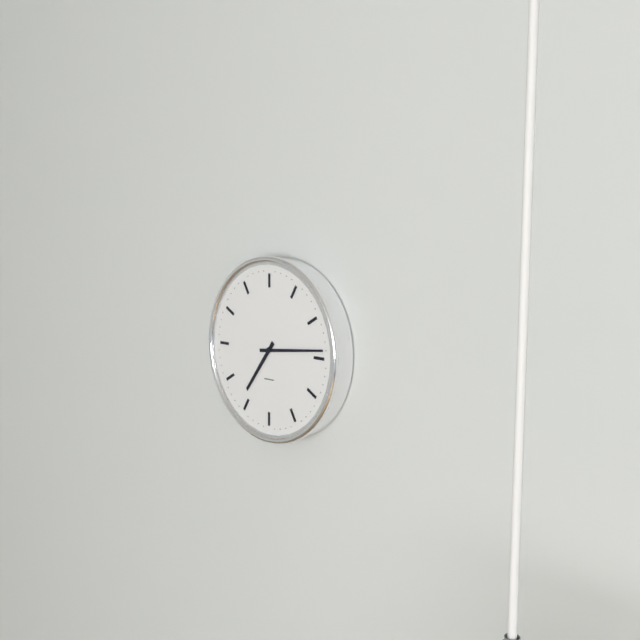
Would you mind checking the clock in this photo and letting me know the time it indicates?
7:14
